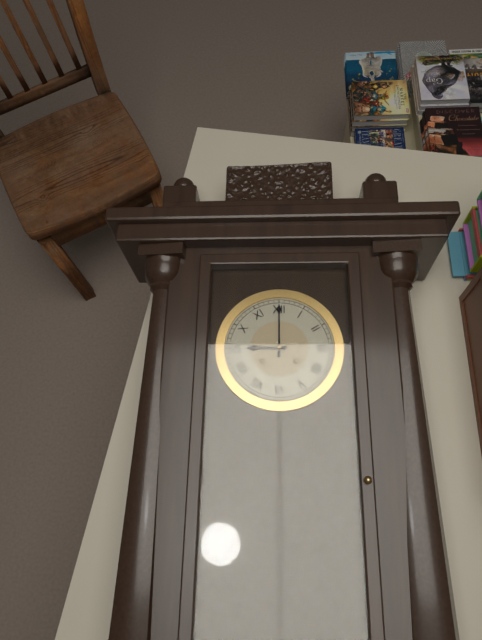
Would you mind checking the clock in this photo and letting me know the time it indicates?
9:00
